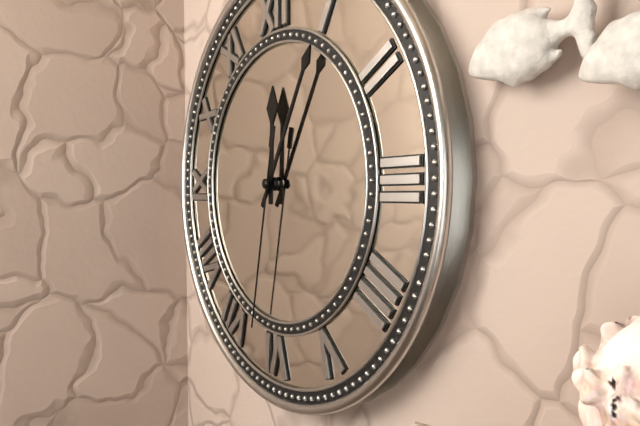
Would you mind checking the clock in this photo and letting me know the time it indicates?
12:05:32
